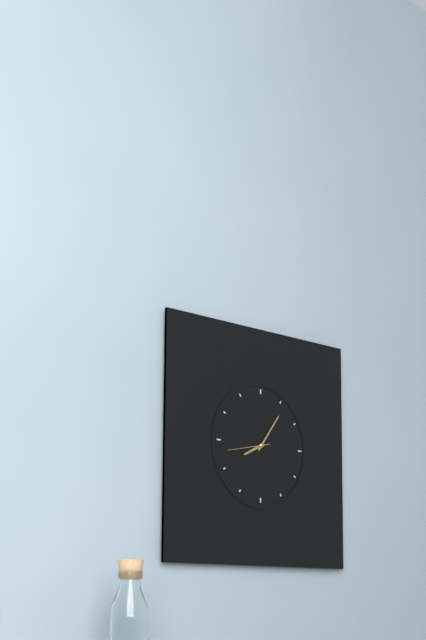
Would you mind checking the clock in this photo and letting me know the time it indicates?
8:06
